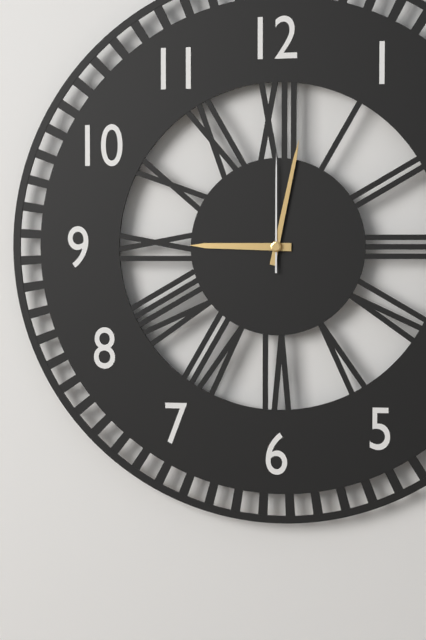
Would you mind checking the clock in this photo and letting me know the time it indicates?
9:02:00
